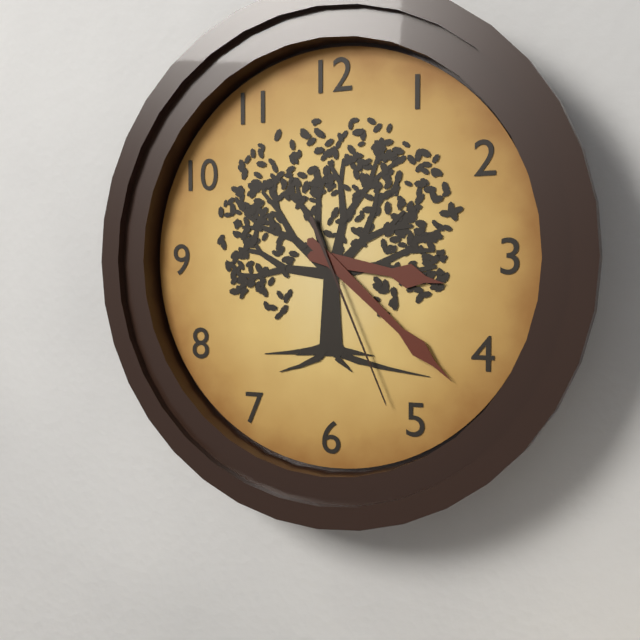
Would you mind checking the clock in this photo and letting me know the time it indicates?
3:22:26
